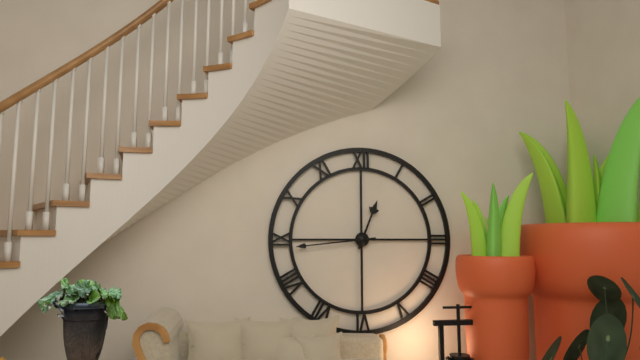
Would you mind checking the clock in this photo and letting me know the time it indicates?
12:44
